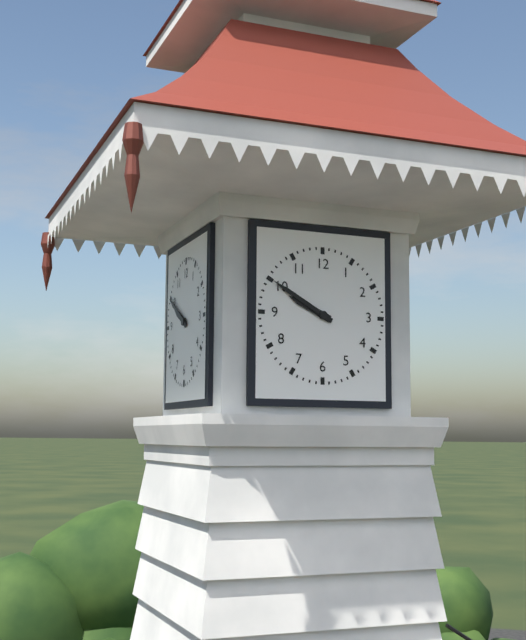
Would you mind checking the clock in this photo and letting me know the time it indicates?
9:50
